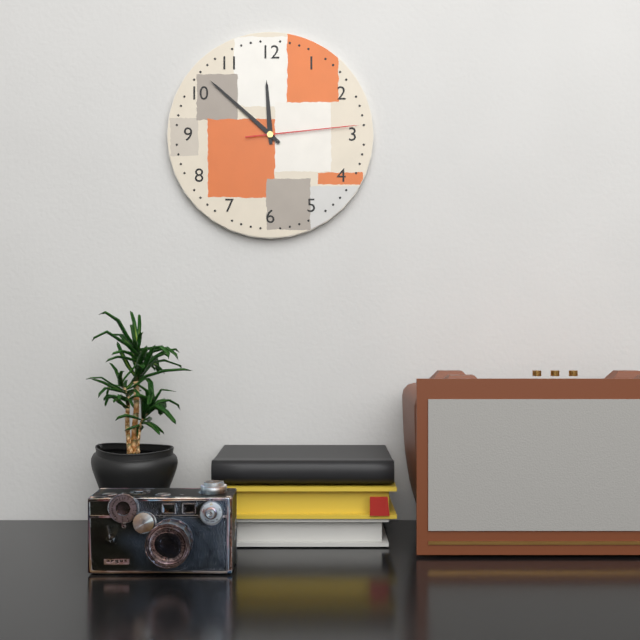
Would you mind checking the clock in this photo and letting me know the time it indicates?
11:52:14
